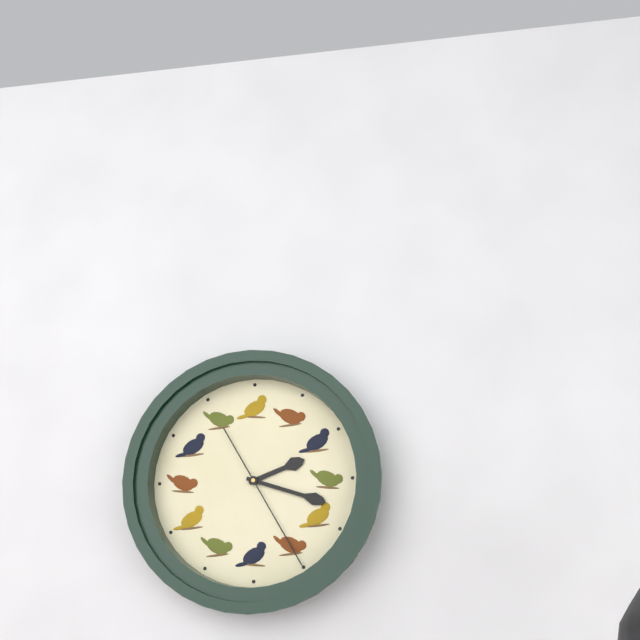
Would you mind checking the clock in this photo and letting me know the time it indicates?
2:18:25
